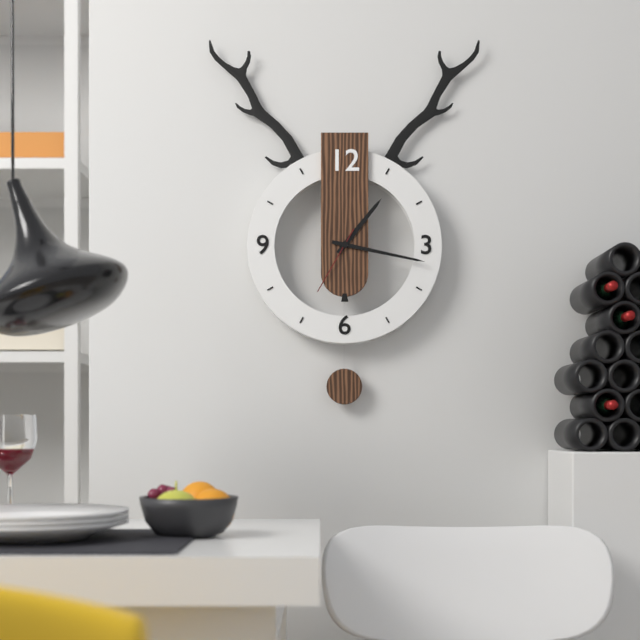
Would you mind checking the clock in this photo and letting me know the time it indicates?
1:17:35
